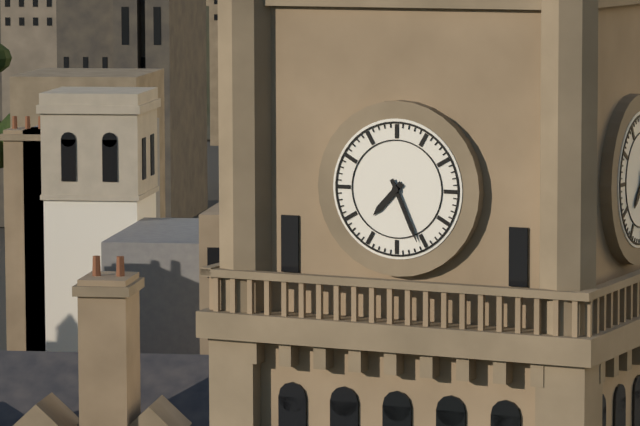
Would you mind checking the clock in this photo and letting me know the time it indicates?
7:26
